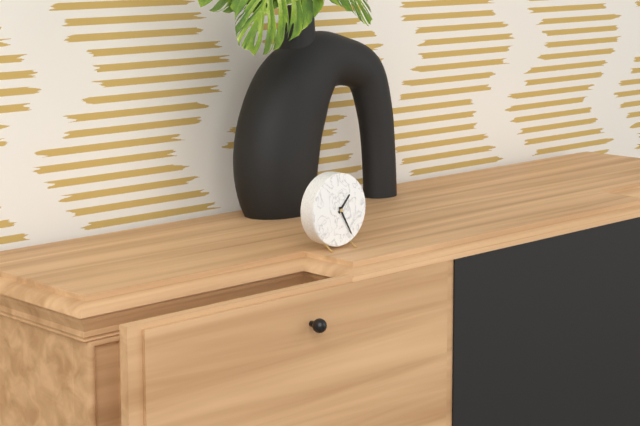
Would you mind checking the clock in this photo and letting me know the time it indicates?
1:25
